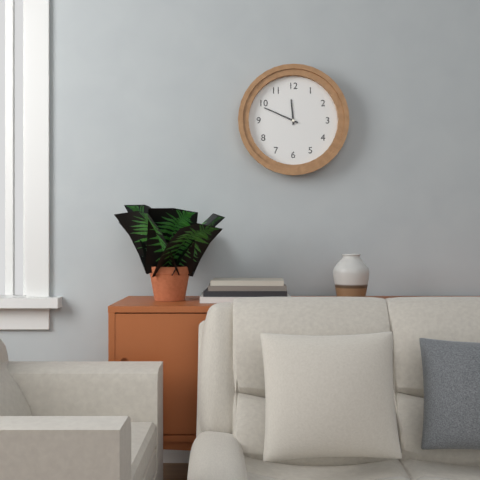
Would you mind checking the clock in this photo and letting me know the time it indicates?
11:49
